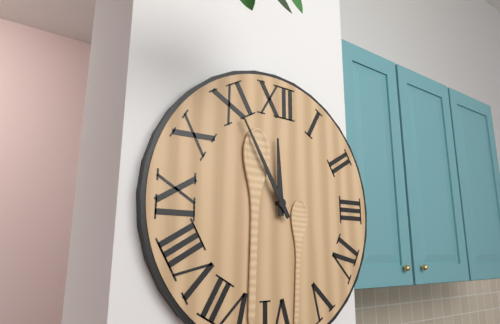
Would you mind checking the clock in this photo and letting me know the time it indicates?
11:55
